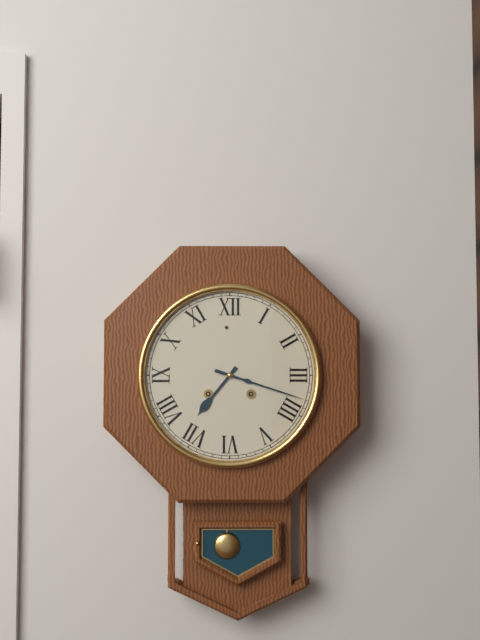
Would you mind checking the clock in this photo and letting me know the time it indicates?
7:18
